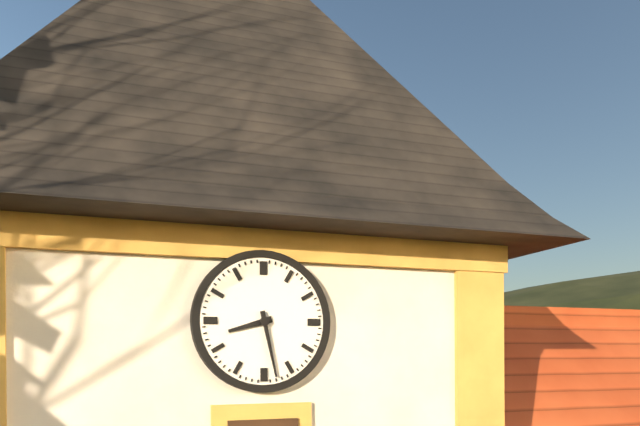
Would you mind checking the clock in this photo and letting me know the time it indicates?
8:28
